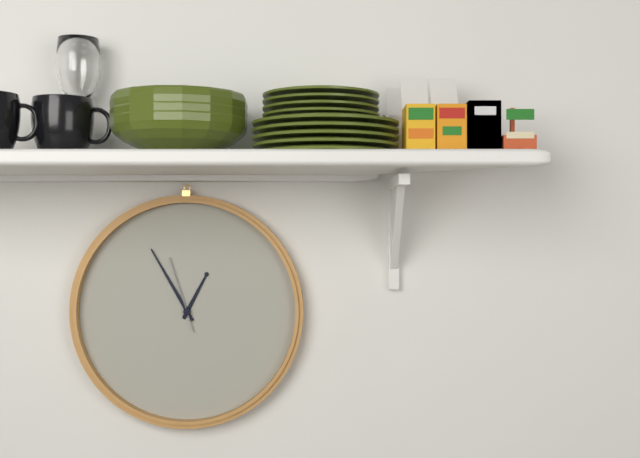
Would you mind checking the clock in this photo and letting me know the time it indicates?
12:55:57
